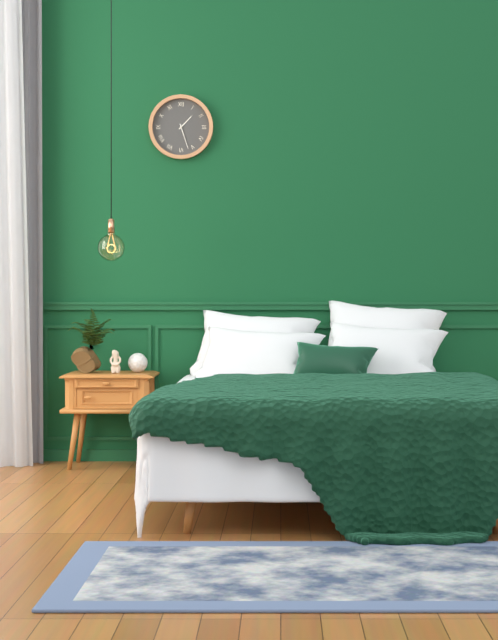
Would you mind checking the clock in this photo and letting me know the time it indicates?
1:27
